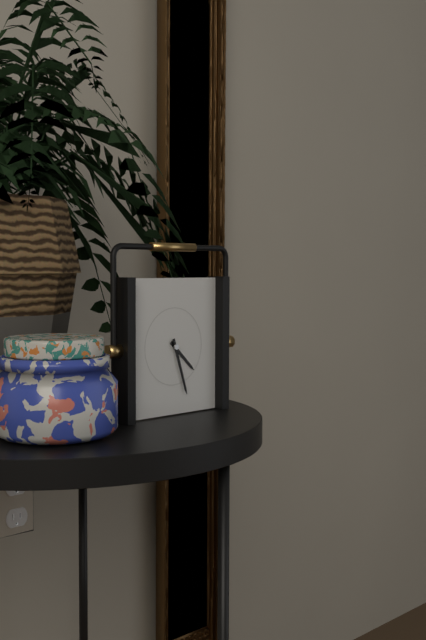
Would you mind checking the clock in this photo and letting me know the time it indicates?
4:27
